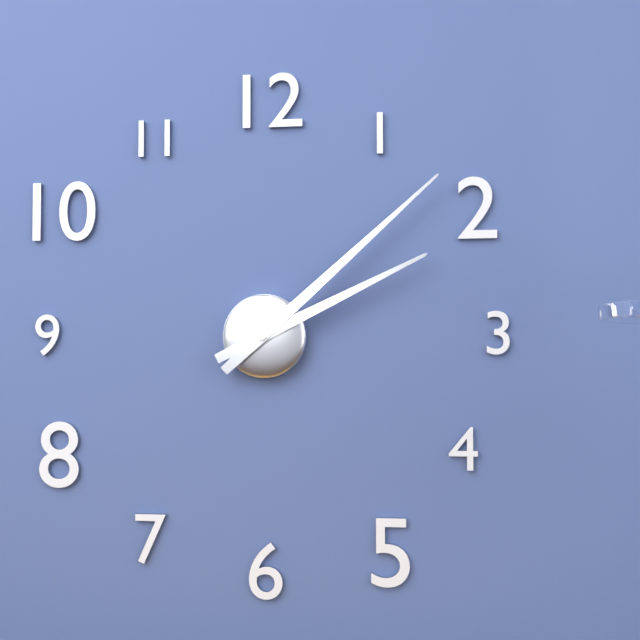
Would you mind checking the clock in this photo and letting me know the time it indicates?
2:08
